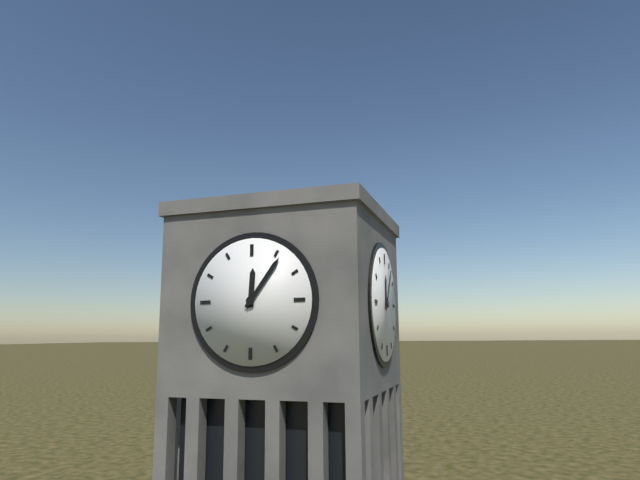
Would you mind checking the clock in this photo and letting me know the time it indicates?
12:06
